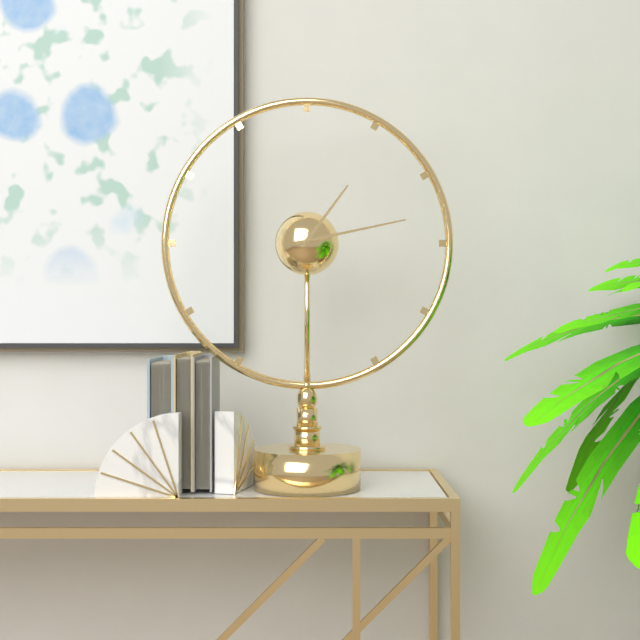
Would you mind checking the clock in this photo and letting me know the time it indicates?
1:13
